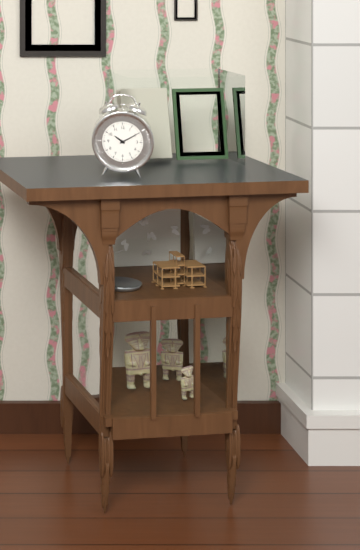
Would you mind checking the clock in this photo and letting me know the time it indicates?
10:10
